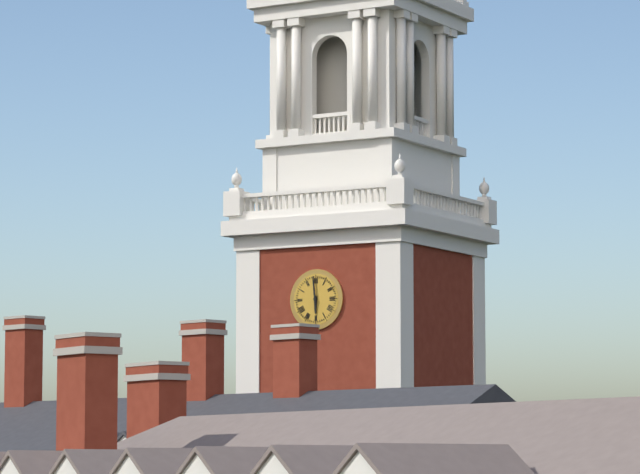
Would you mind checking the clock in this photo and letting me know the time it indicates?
5:59
